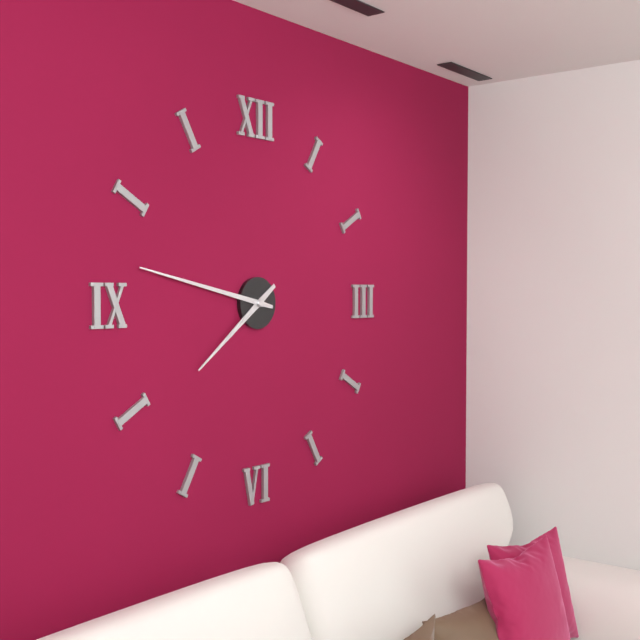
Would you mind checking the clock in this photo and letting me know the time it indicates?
7:47
